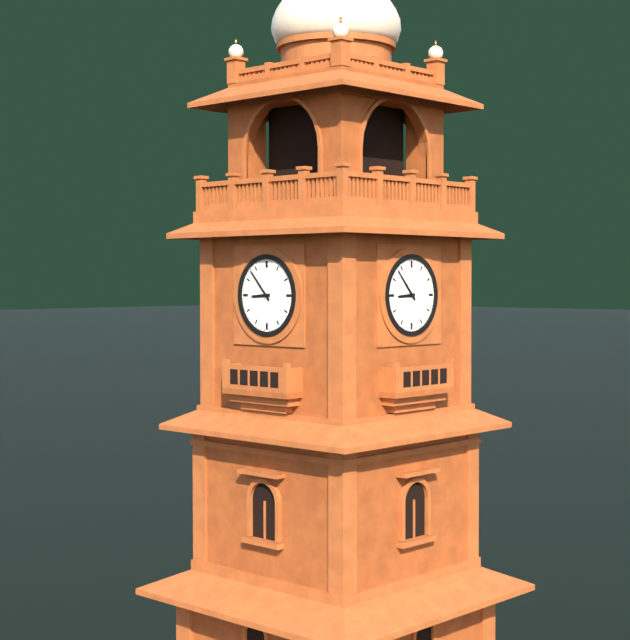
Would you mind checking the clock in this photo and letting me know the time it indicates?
8:53
